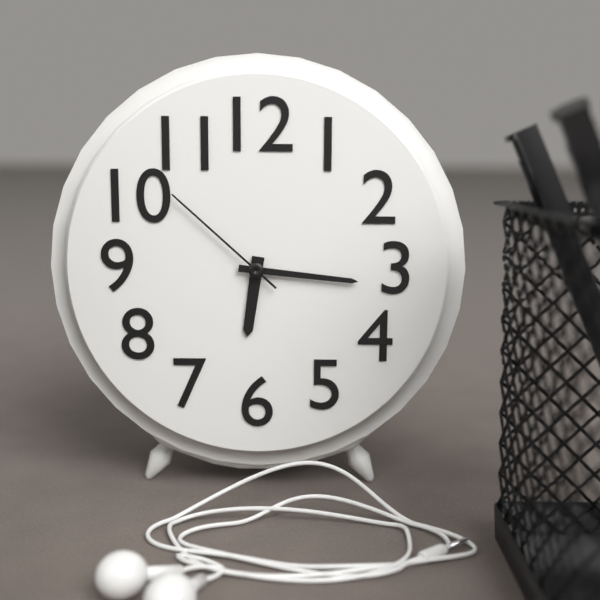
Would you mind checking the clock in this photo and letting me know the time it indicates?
6:16:52
